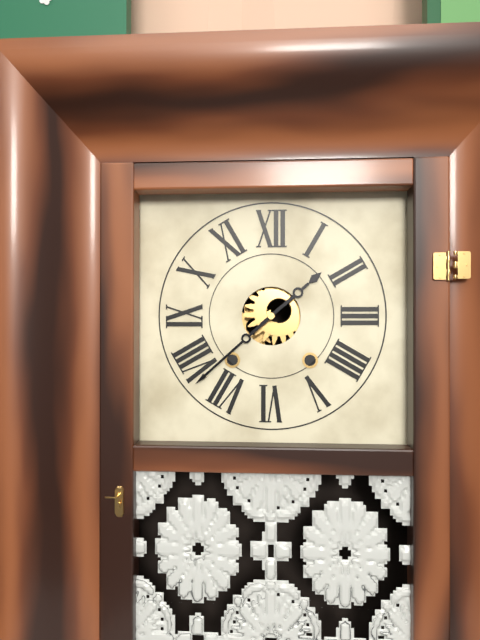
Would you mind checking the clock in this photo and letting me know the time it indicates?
1:38
